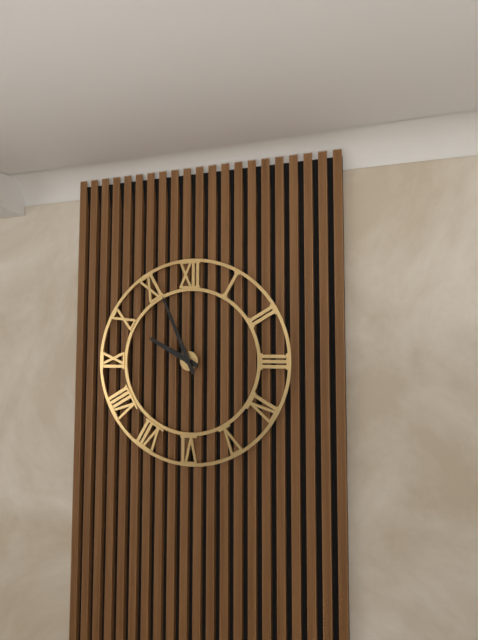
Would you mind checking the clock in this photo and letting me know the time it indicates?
9:56
